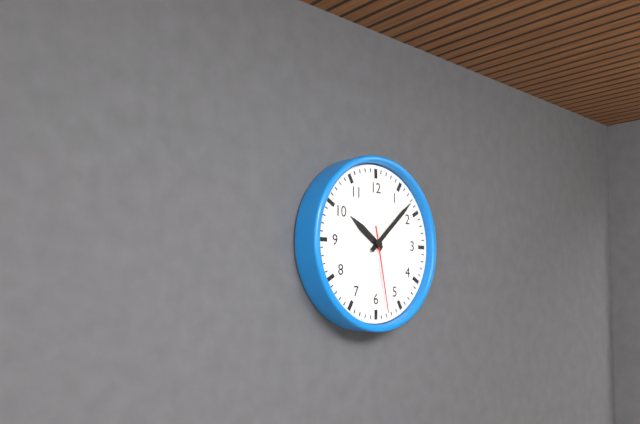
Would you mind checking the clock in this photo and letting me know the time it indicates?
10:08:28
